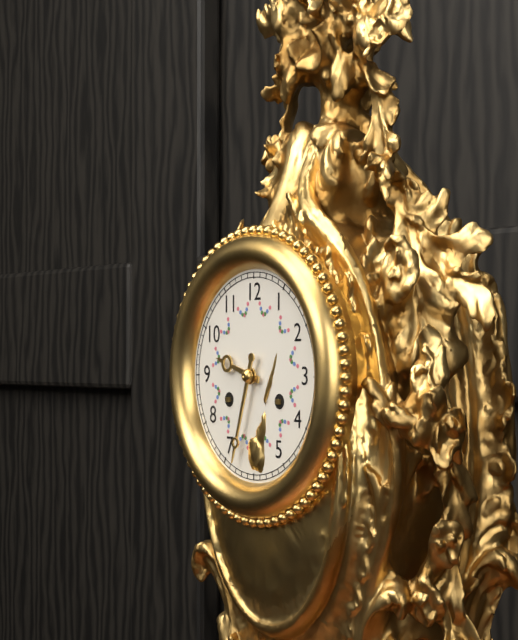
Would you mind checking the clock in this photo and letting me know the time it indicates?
9:33
